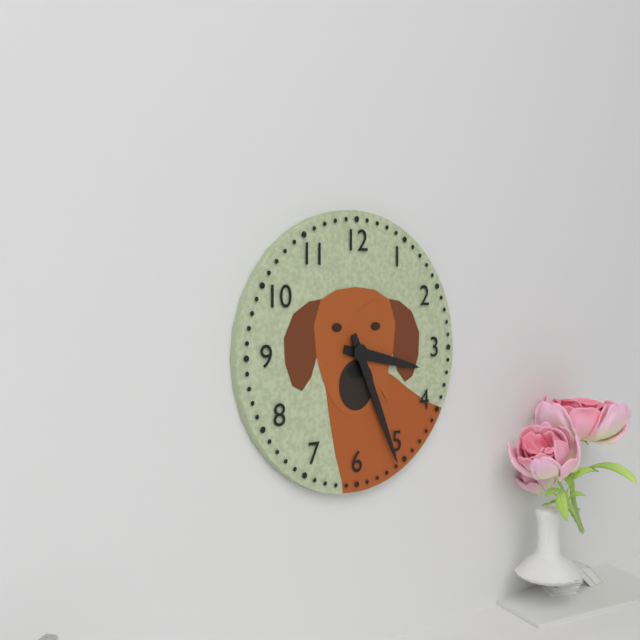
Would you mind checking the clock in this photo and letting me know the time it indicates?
3:26
